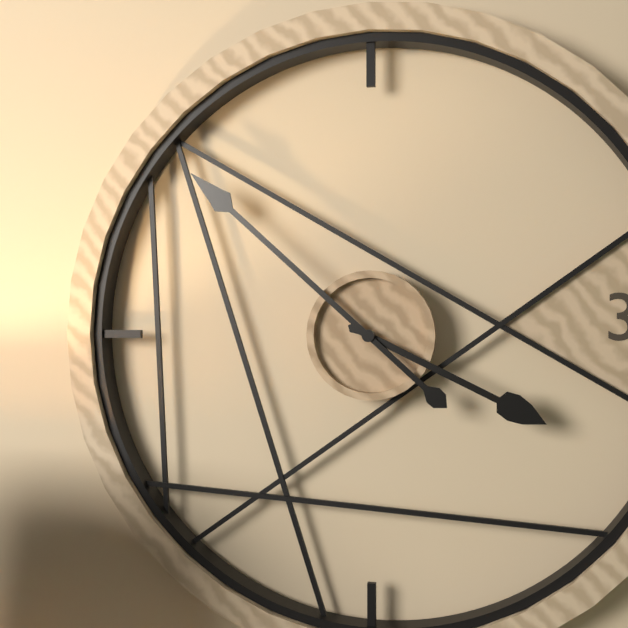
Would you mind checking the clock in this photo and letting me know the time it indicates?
3:52
